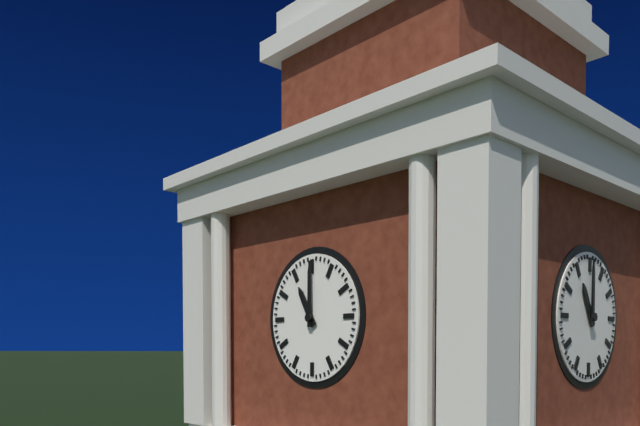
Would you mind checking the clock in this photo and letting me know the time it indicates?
11:00
